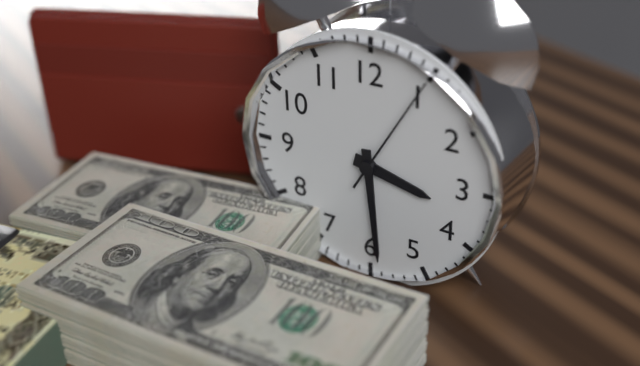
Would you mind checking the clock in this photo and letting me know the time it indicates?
3:29:05
